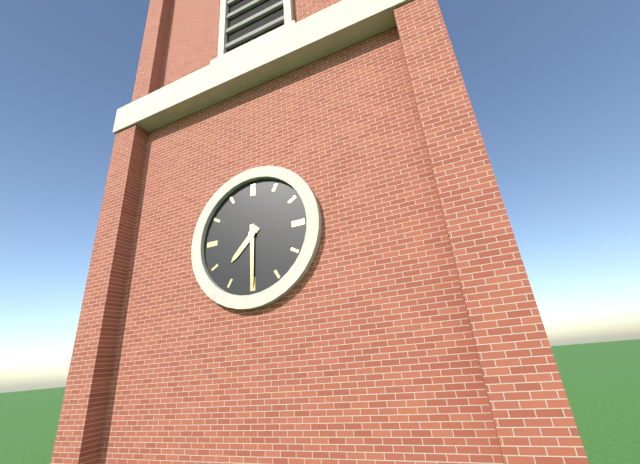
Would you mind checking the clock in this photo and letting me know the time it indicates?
7:30
